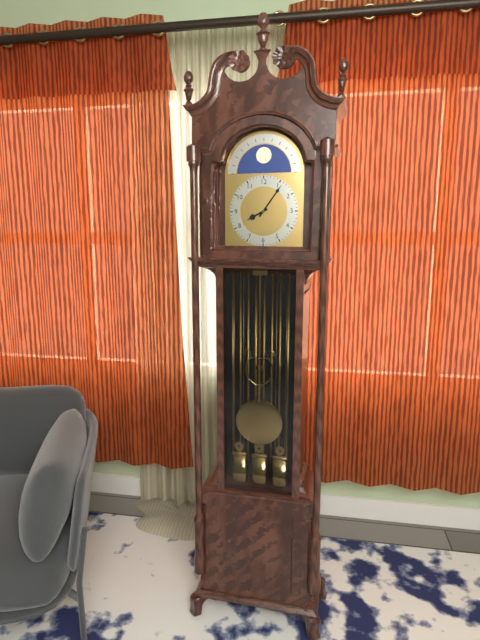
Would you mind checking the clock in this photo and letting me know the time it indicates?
8:06
